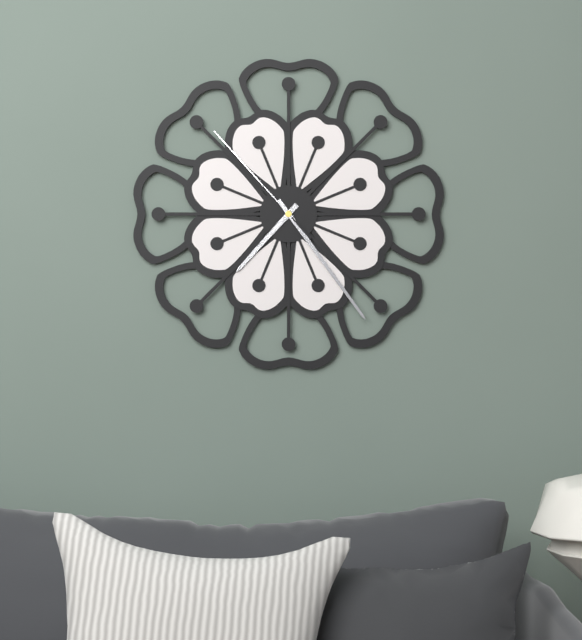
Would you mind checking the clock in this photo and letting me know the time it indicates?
7:24:53
